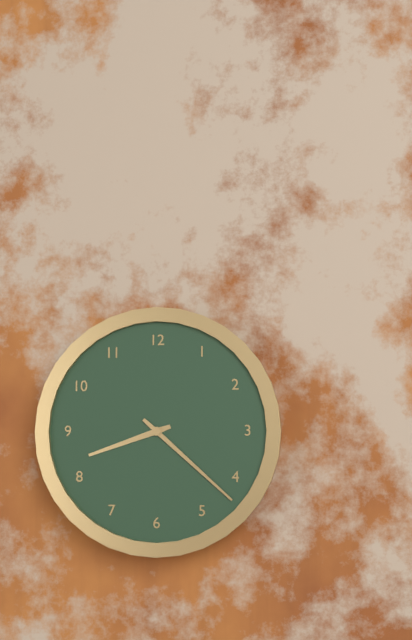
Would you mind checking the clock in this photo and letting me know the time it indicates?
8:22
